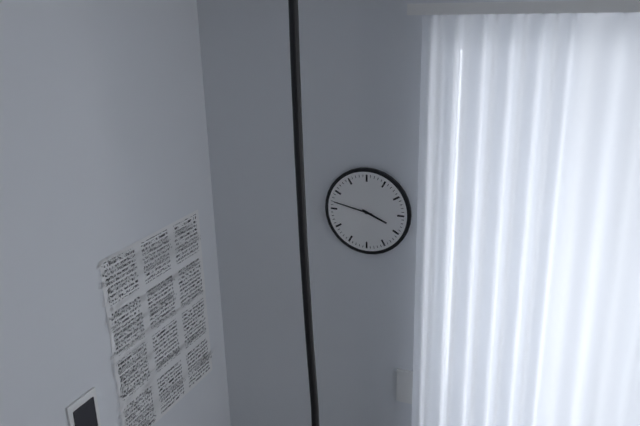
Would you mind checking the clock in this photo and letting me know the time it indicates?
3:47
